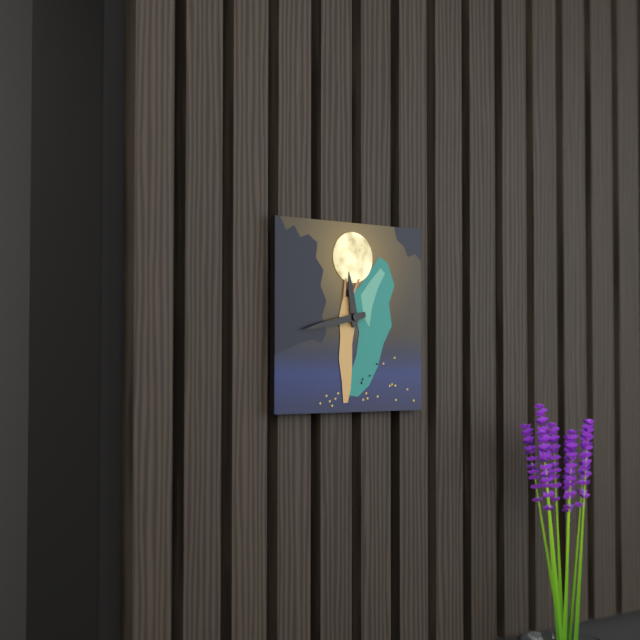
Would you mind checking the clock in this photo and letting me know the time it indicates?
11:43
